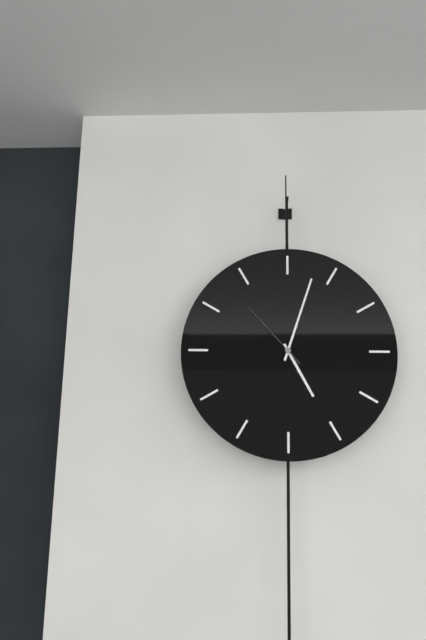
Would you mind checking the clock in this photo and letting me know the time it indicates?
5:03:53
